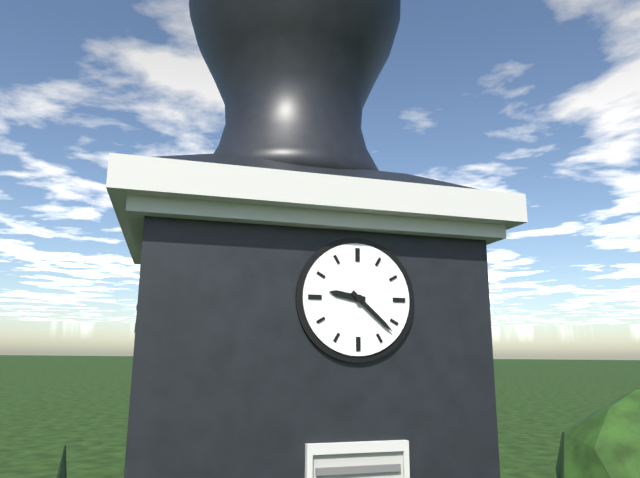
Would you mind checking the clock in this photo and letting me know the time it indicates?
9:22
